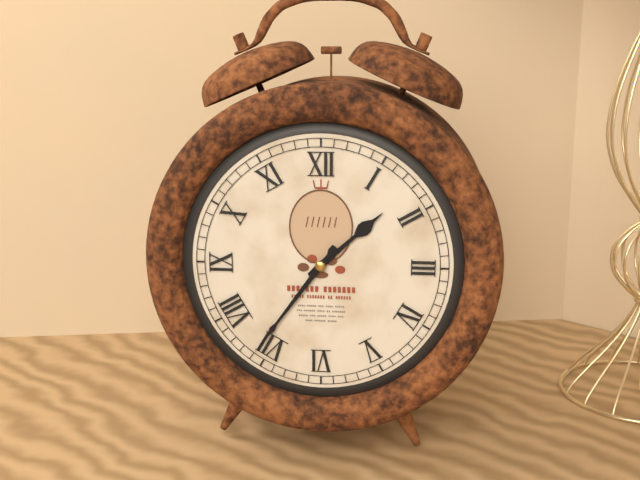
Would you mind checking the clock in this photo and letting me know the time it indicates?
1:36
